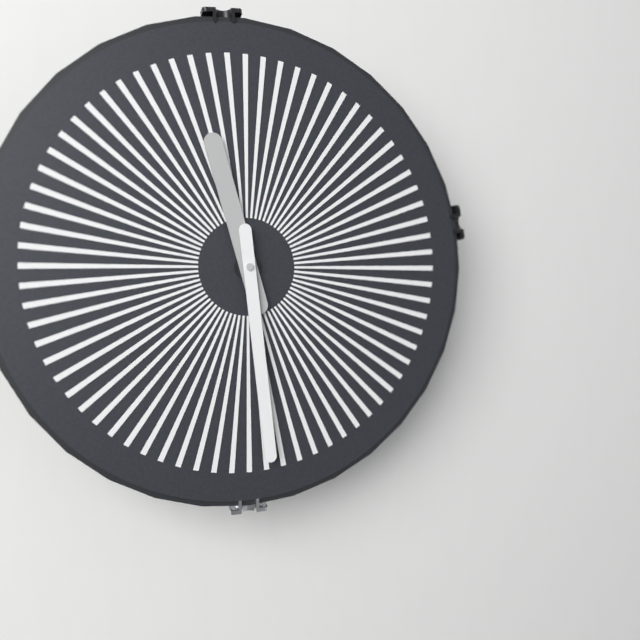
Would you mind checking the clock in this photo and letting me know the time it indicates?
11:29
